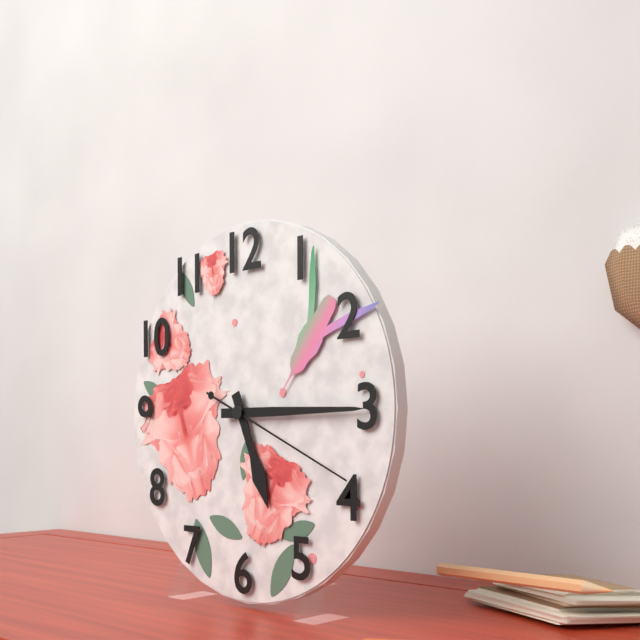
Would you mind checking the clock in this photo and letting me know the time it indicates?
5:15:19
